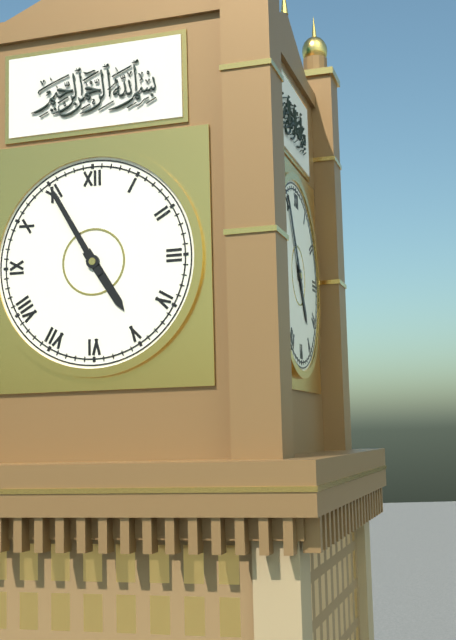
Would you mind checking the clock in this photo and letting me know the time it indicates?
4:55
